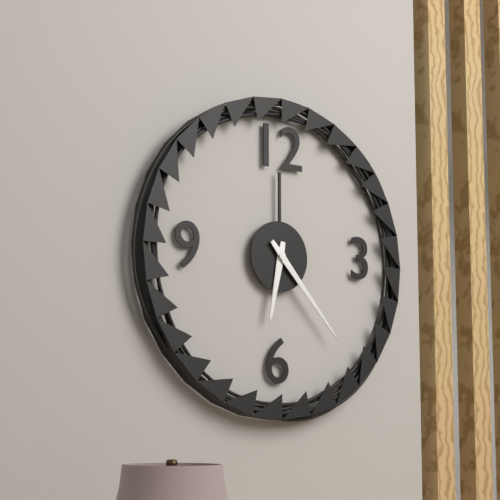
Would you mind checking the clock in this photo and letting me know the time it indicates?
6:23
